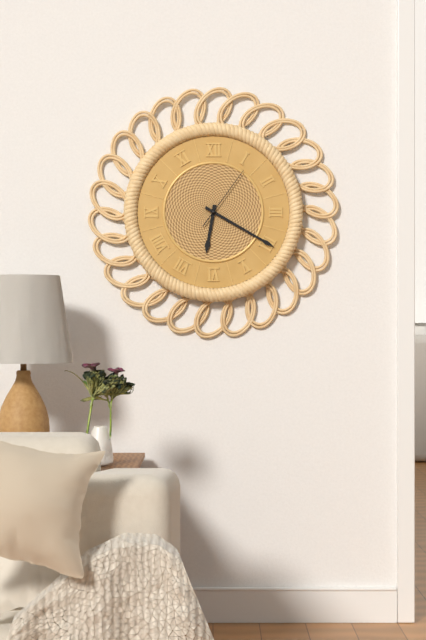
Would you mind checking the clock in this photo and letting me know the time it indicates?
6:20:06
